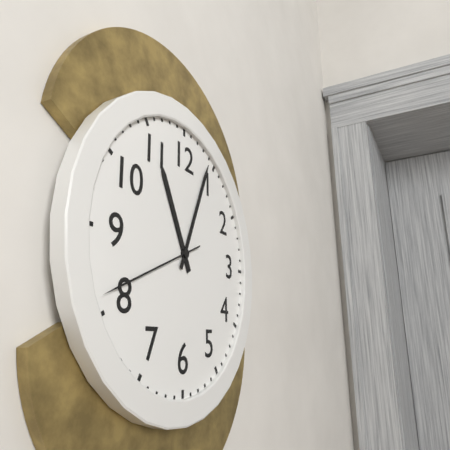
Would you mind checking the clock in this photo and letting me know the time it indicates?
11:04:41
